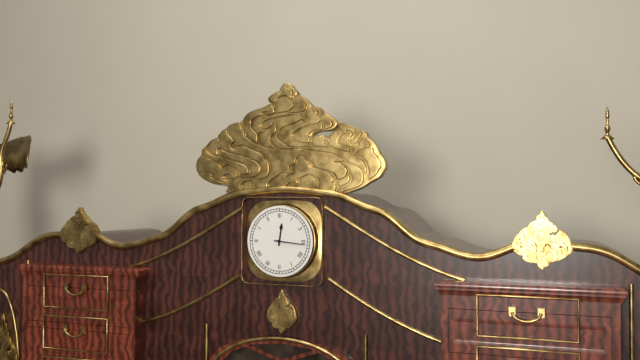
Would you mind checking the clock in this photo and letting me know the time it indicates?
12:16
